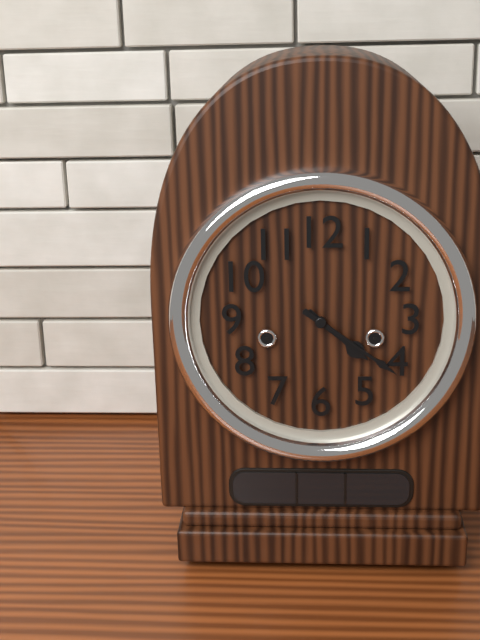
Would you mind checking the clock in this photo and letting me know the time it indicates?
4:21
